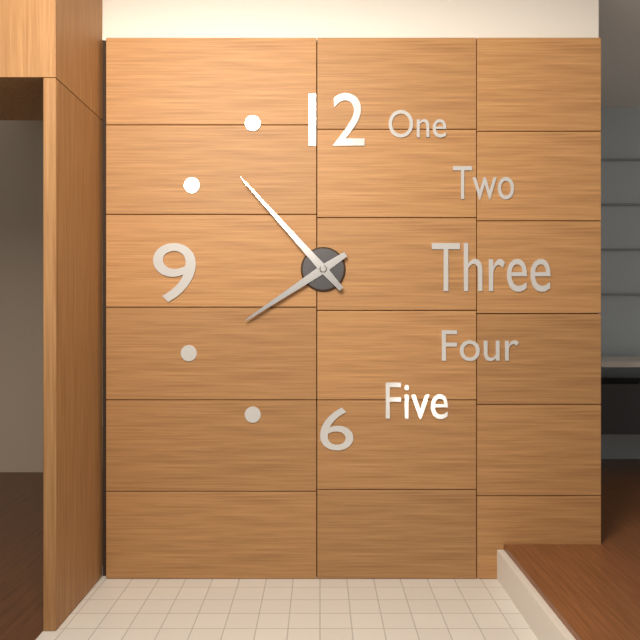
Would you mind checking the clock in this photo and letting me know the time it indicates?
7:53
